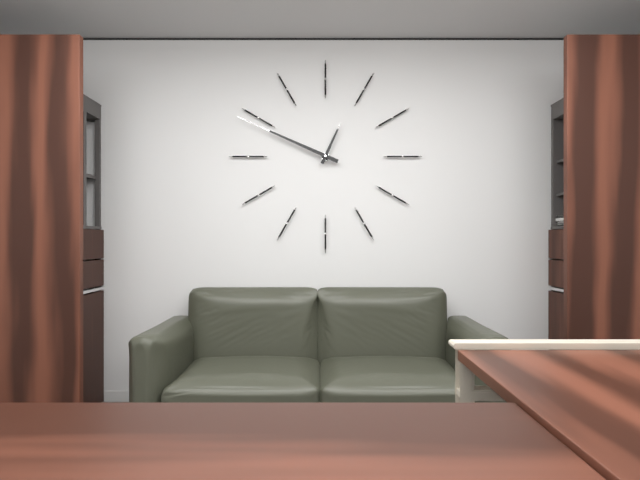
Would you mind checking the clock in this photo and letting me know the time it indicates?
12:49
